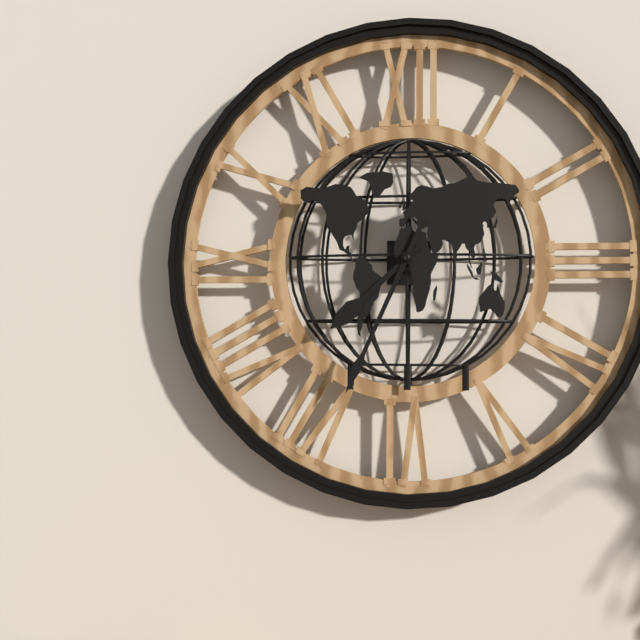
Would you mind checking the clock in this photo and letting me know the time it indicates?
7:34
